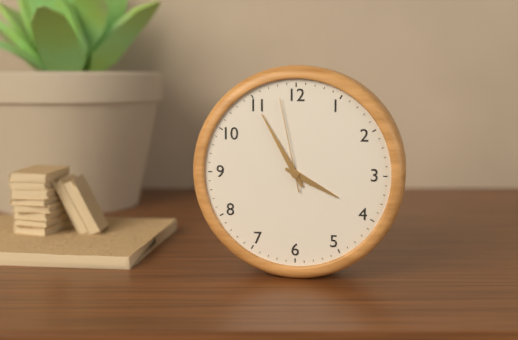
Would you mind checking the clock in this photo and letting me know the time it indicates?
3:55:58
